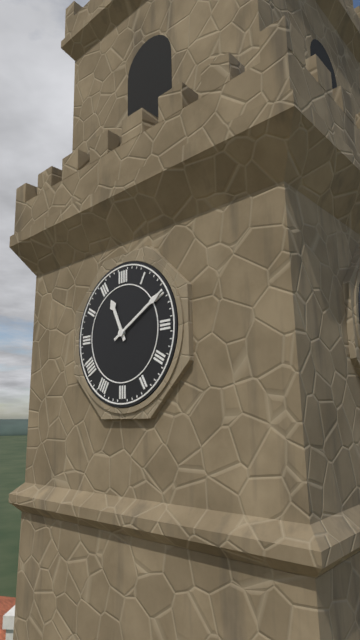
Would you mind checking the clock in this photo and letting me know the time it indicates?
11:10
